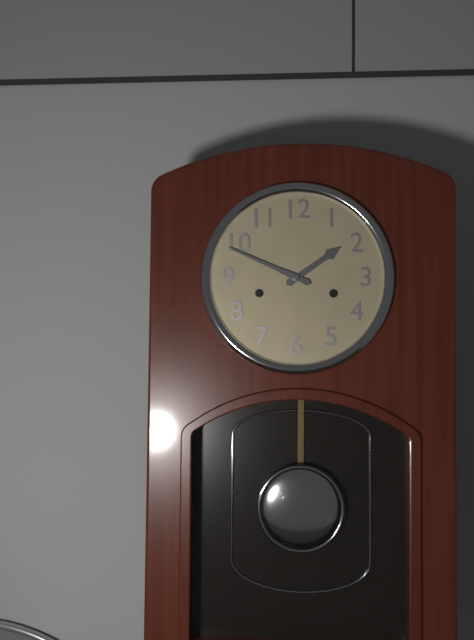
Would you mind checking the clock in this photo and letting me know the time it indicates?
1:49
